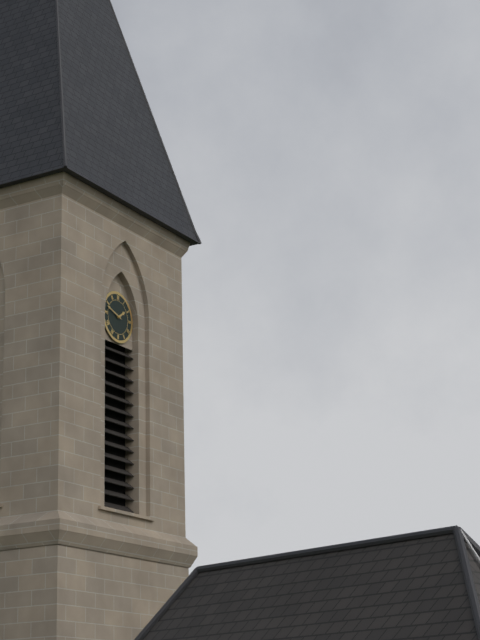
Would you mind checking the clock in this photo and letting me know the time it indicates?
1:48
